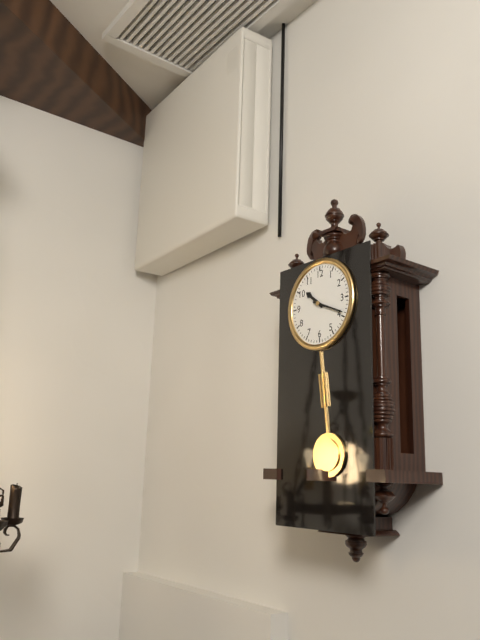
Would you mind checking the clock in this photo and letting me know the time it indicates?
10:19
